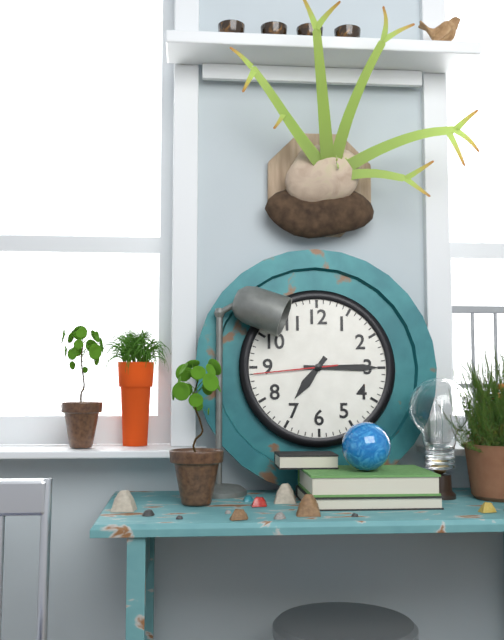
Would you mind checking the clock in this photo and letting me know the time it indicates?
7:15:44
